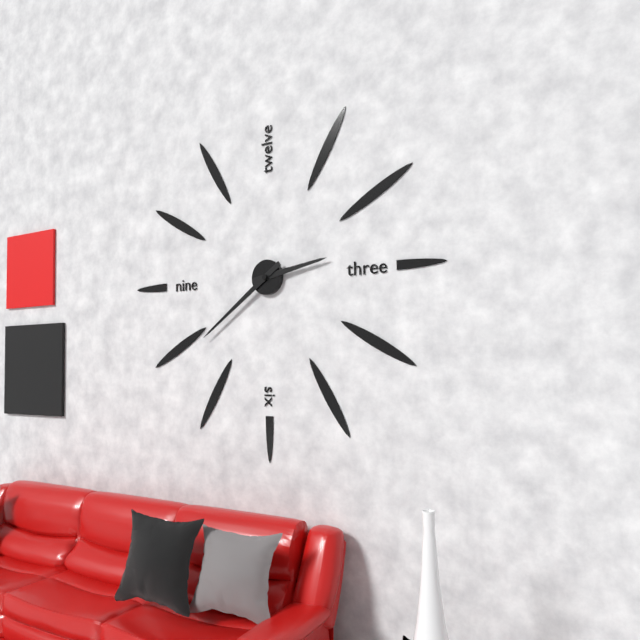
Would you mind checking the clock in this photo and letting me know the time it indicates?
2:39
